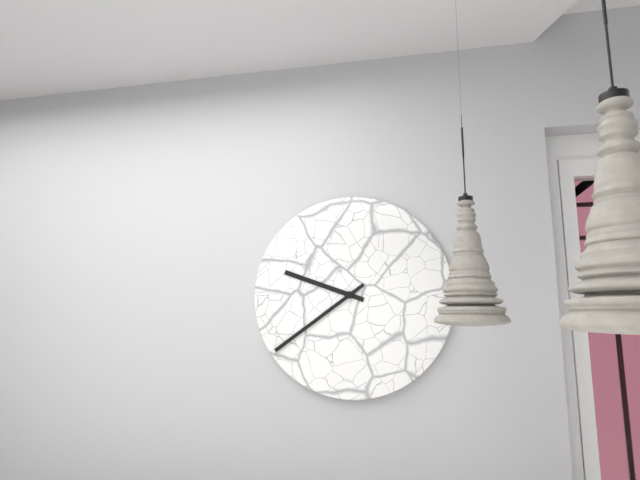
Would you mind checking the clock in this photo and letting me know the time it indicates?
9:39
